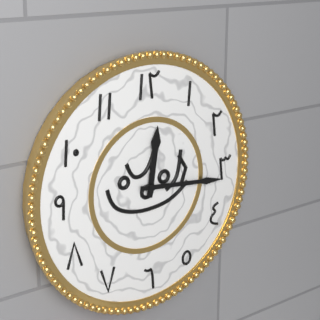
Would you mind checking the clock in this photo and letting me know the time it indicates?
12:16
